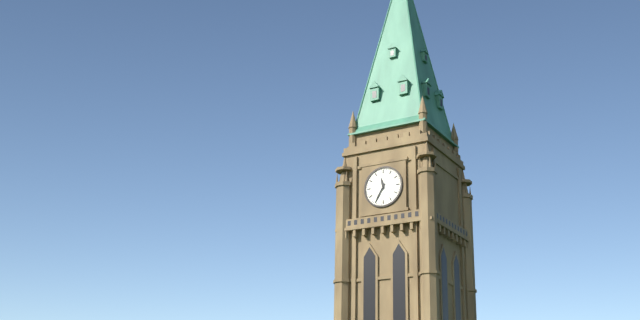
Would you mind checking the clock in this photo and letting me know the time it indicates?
11:35
